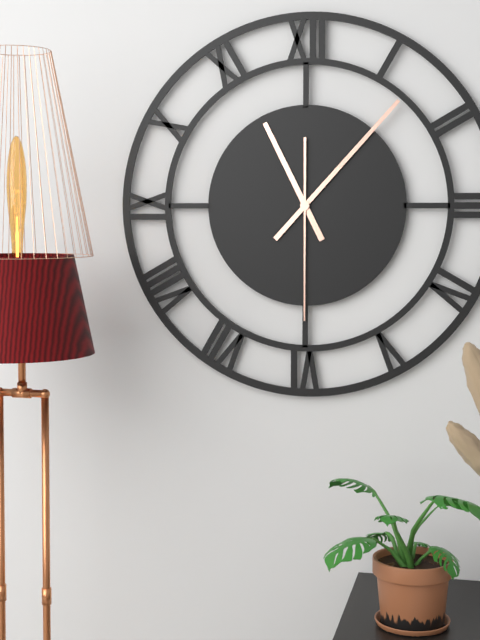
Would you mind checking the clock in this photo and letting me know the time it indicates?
11:07:30
